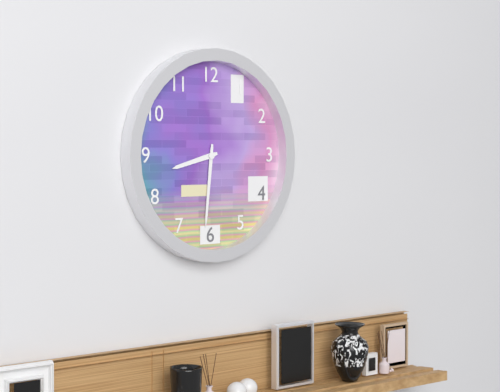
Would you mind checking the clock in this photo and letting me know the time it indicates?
8:31
